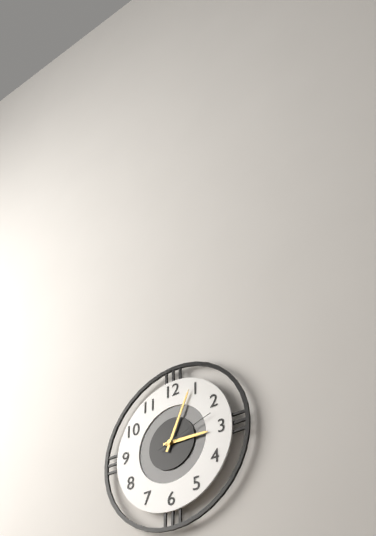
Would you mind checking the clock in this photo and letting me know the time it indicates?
3:04:12
